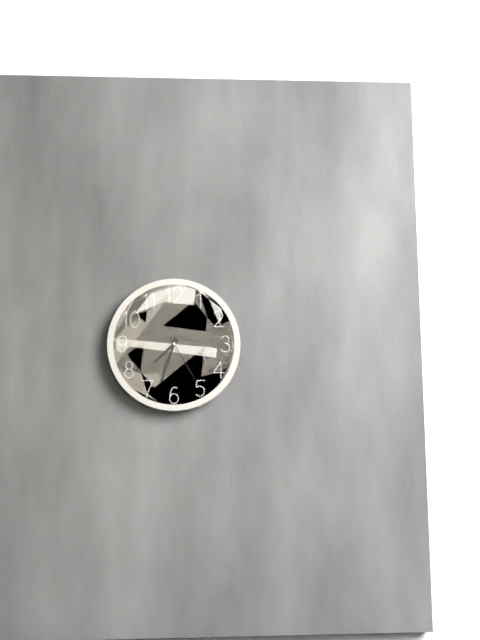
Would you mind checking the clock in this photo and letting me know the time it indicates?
7:33:25
